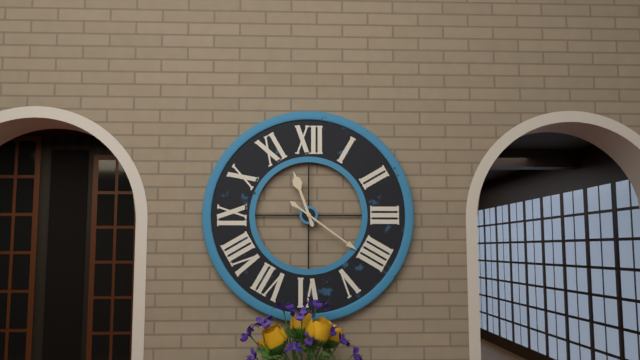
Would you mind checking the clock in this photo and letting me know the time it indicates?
11:21
